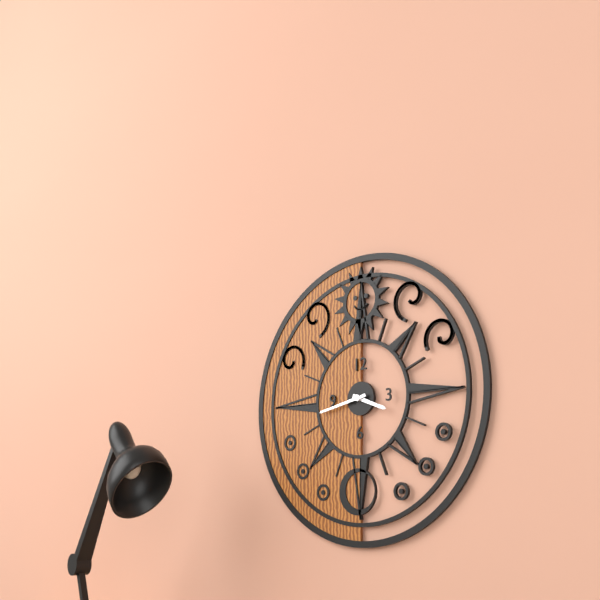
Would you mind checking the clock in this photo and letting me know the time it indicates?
3:43
